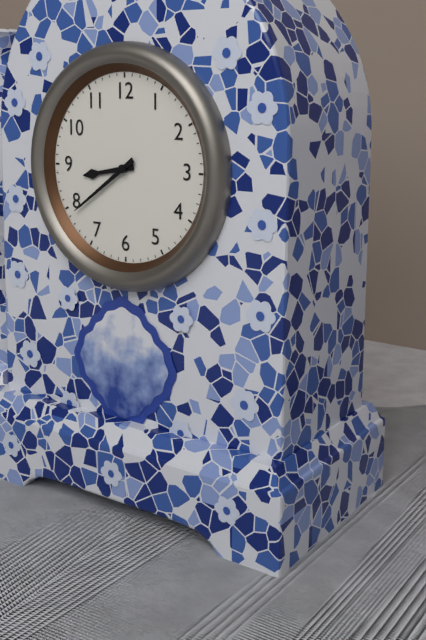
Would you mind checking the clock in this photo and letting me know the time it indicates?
8:39
